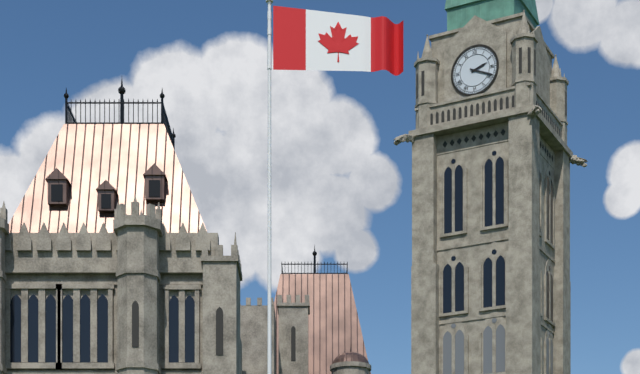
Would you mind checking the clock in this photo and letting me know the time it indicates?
2:19
